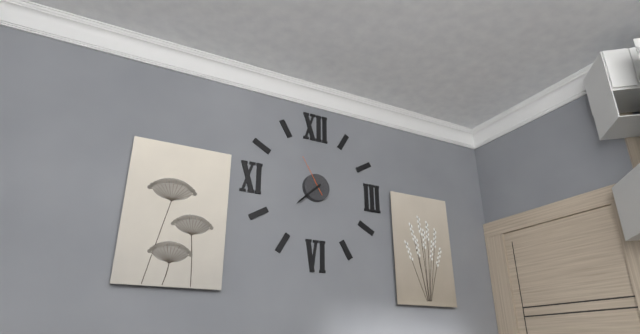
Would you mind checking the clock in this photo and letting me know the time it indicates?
7:38
